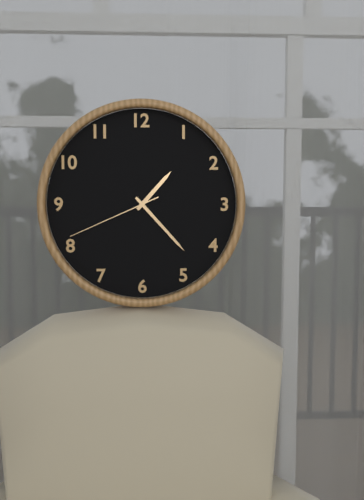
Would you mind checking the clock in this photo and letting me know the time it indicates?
1:23:41
